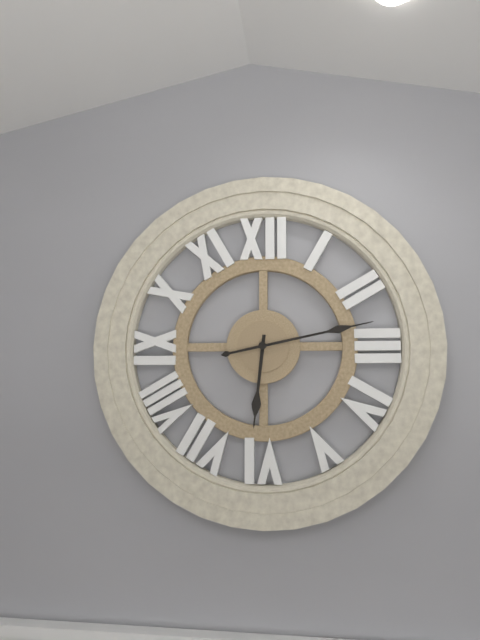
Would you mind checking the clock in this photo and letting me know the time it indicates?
6:13
